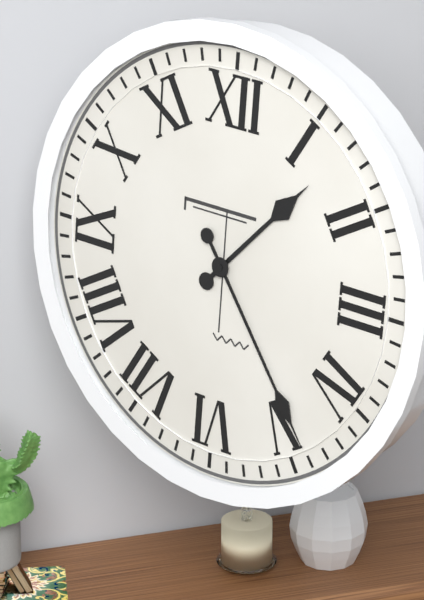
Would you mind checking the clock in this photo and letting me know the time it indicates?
1:24
